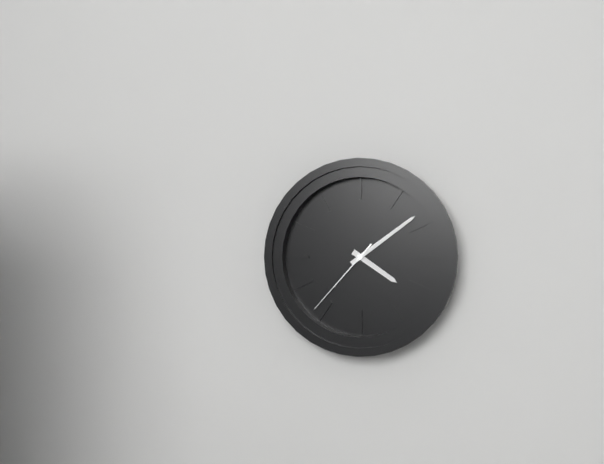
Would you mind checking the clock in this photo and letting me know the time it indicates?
4:09:37
